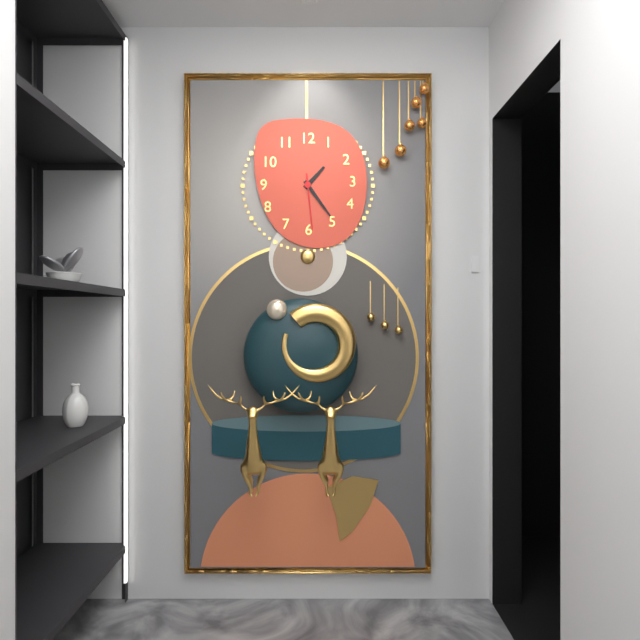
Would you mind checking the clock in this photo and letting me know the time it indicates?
1:24:29
